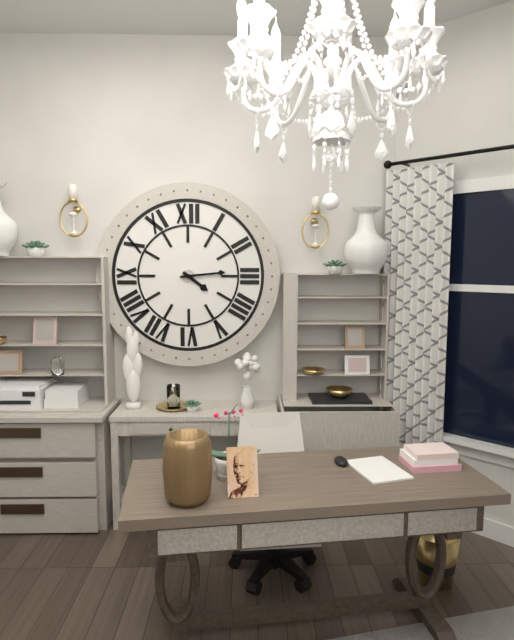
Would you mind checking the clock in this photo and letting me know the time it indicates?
4:14
